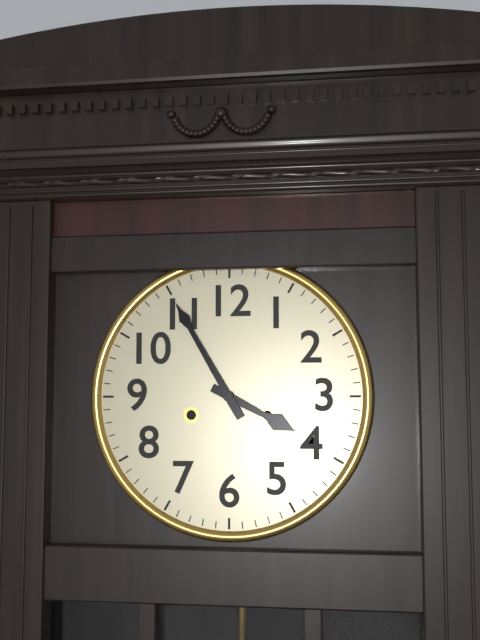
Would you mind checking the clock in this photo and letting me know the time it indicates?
3:55
